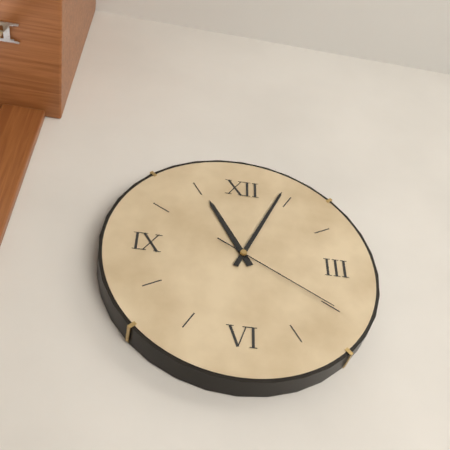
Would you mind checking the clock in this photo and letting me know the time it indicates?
11:04:20
